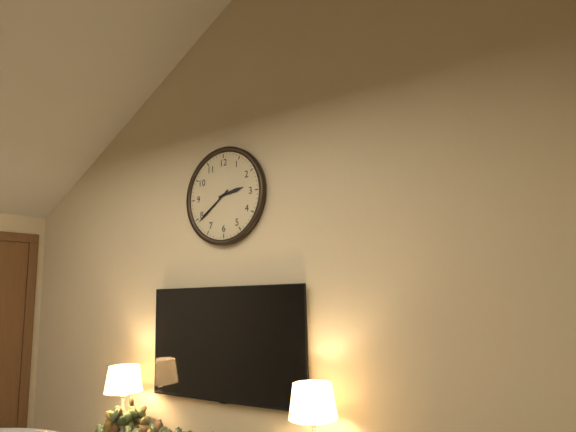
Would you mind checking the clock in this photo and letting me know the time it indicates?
2:39
